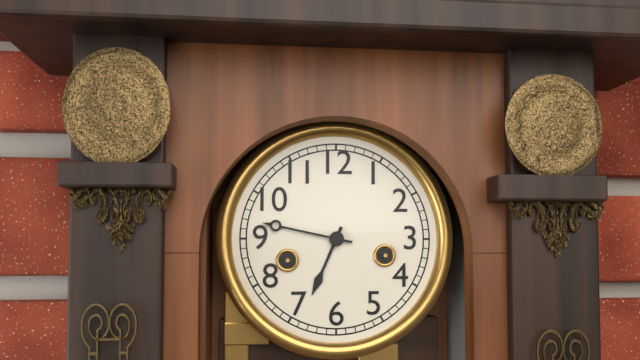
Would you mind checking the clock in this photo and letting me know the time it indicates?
6:47
